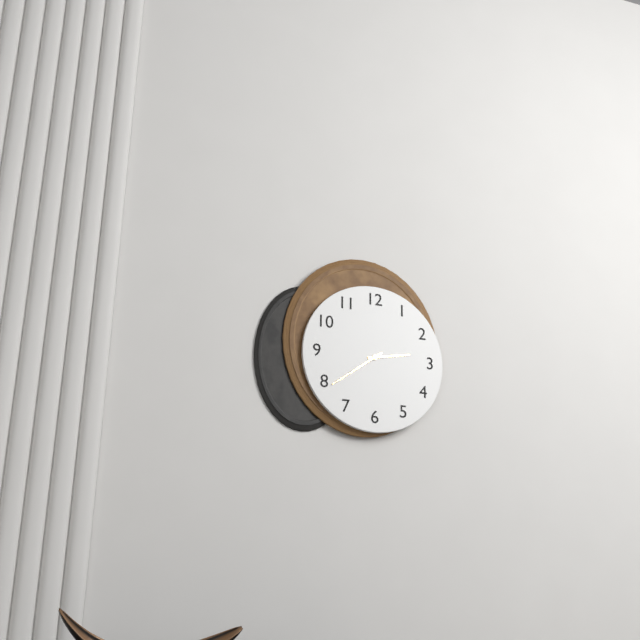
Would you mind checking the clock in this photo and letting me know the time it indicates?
2:39
